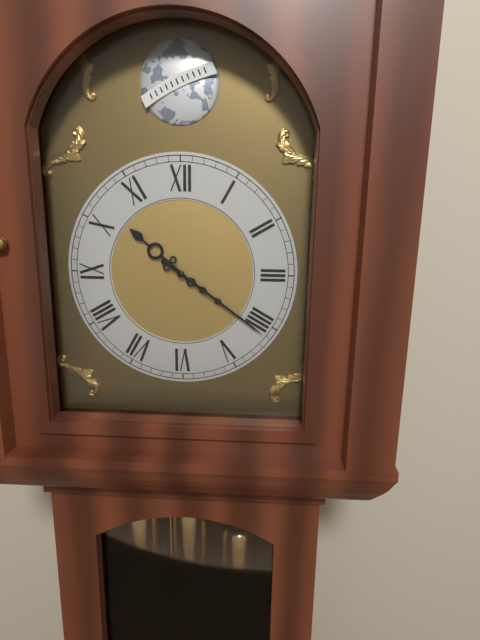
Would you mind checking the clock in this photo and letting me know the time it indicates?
10:21
